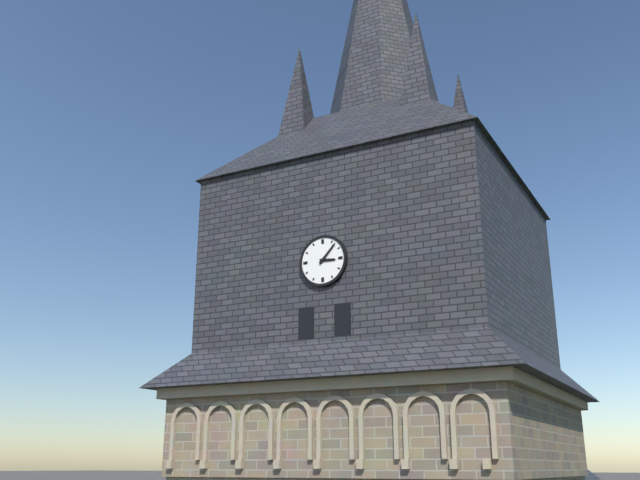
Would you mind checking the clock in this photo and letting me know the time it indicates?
3:07
